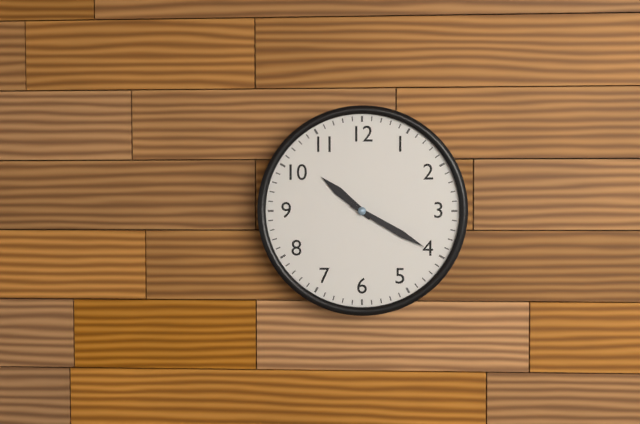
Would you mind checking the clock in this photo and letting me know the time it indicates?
10:20
